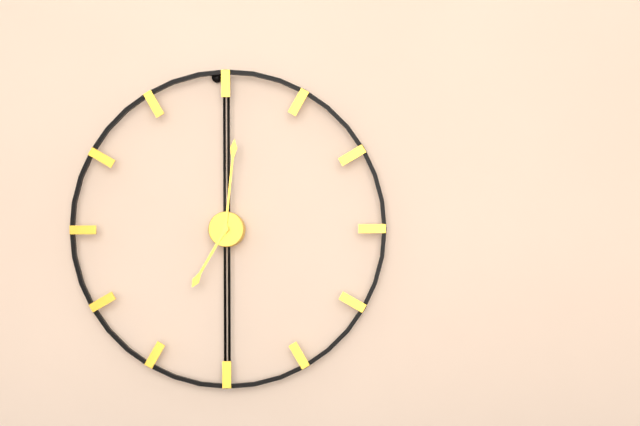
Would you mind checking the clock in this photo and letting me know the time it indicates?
7:01
